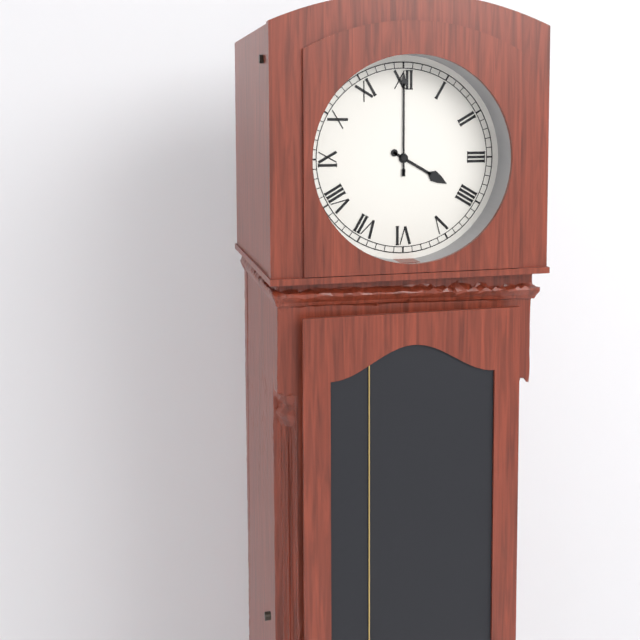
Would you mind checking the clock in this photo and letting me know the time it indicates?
4:00
